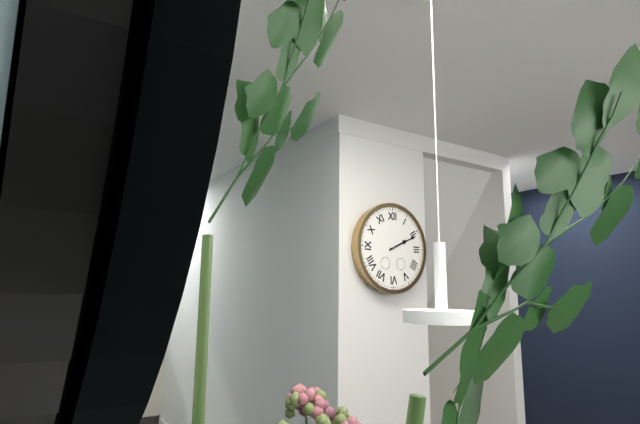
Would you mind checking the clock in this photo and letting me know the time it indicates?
2:11
